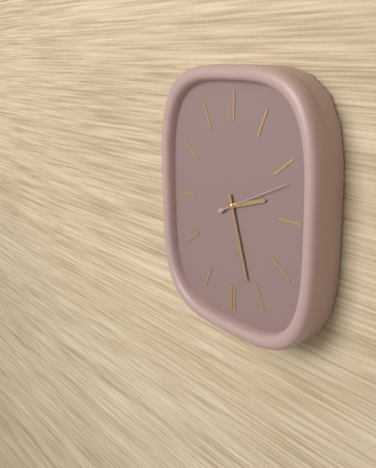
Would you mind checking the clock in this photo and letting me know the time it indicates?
2:27:11
